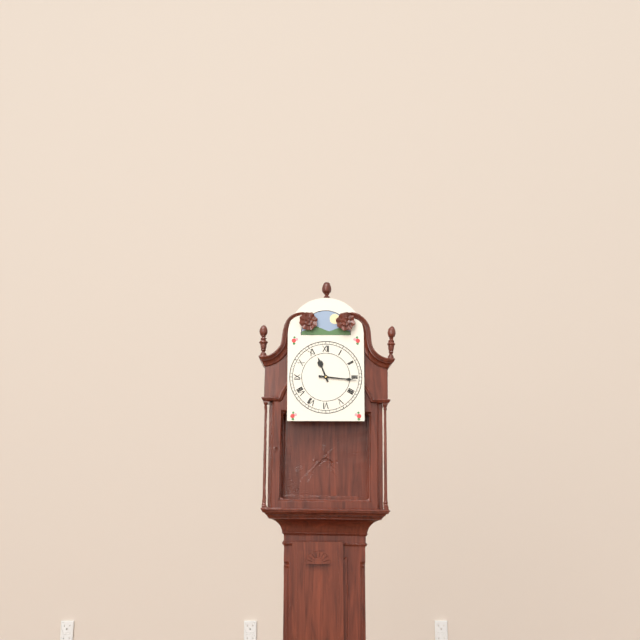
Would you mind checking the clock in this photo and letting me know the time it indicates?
11:16
